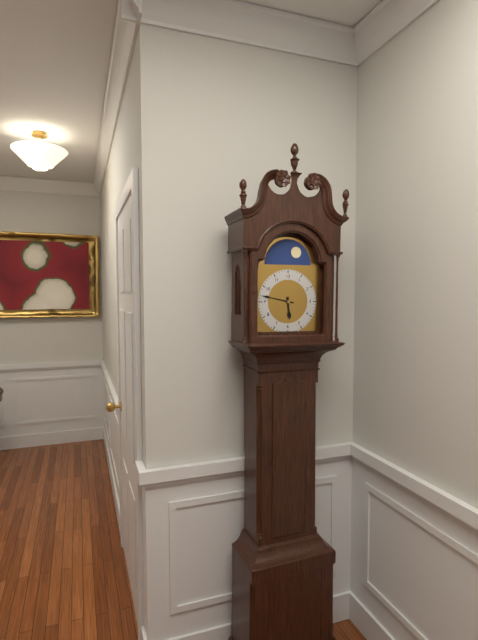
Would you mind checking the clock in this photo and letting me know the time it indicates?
5:47
